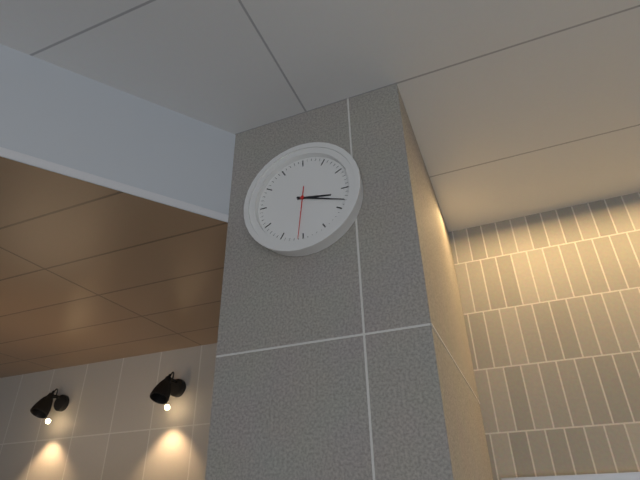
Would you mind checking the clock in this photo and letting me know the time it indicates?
3:18:31
